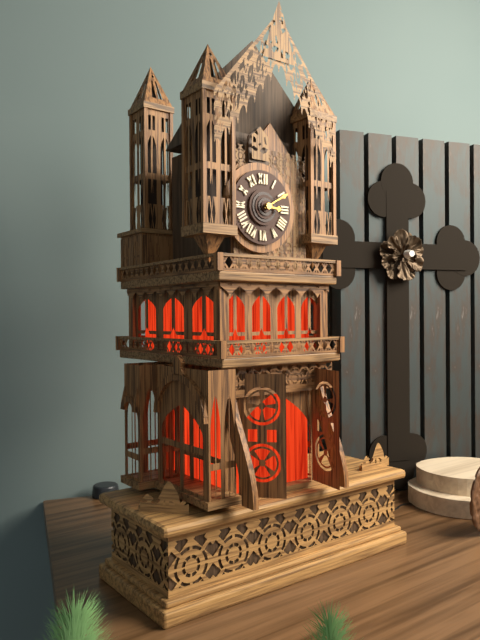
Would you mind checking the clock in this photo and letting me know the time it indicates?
3:10
